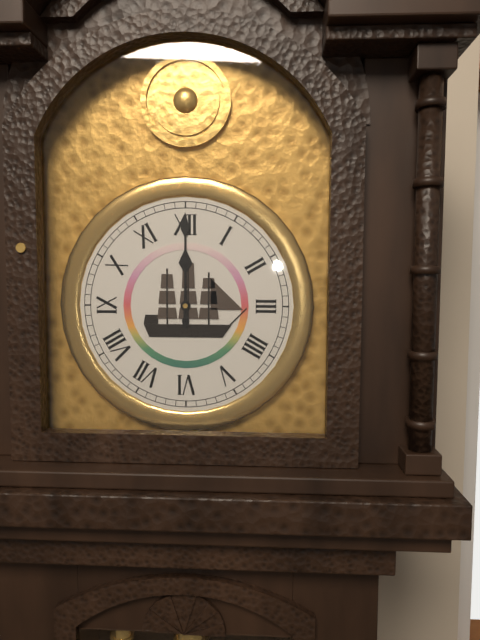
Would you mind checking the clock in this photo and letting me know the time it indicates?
12:00
